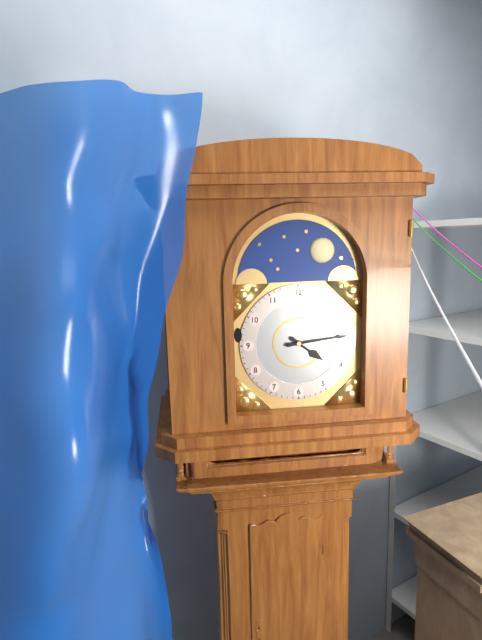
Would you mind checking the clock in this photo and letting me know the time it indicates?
4:14
